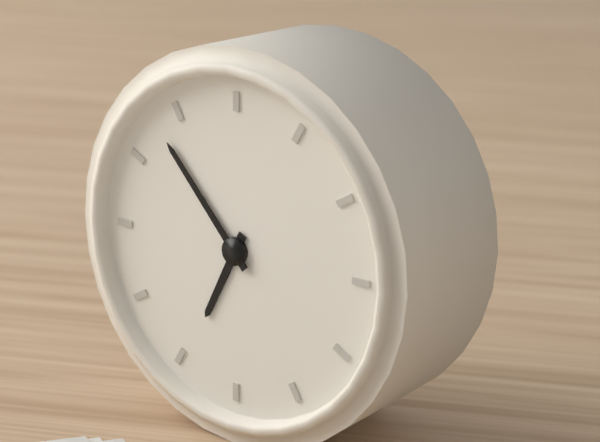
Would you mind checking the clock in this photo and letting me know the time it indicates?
6:53
